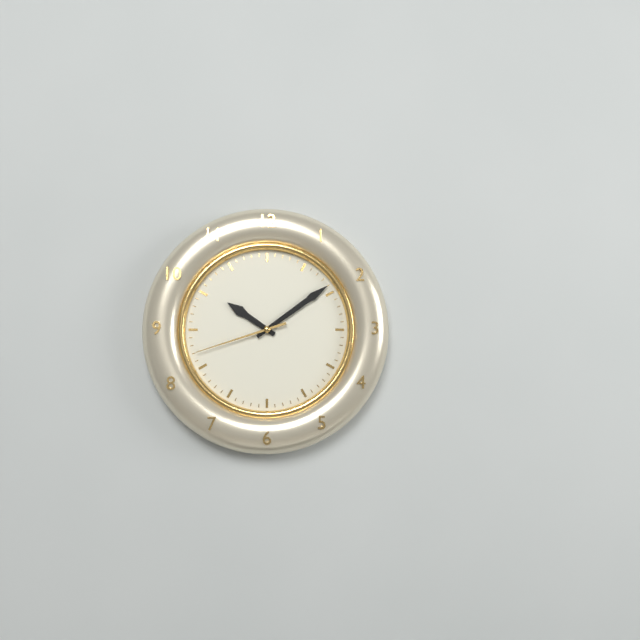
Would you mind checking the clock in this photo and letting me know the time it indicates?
10:09:42
